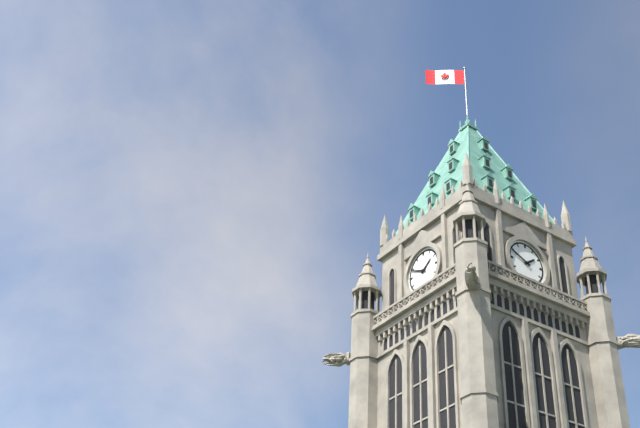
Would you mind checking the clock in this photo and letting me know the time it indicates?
1:49
